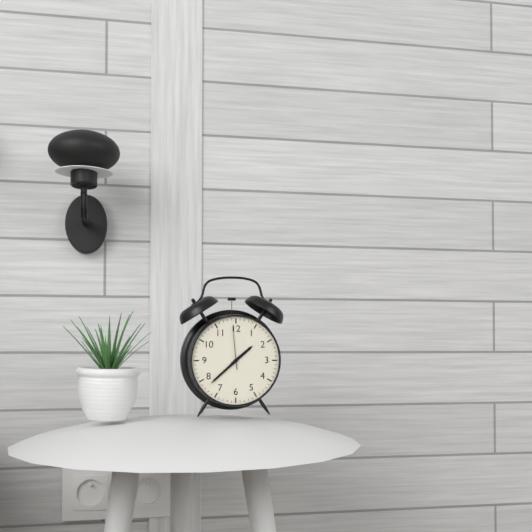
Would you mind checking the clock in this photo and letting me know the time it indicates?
1:38
